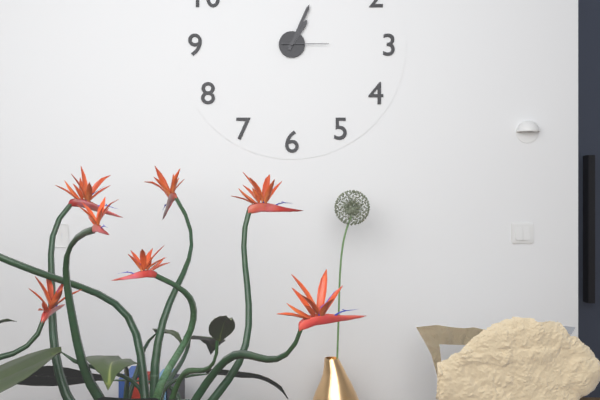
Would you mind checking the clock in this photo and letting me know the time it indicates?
1:04
